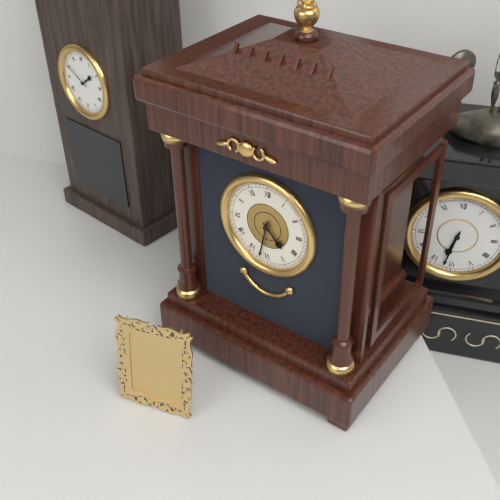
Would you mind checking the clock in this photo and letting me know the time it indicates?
4:32
